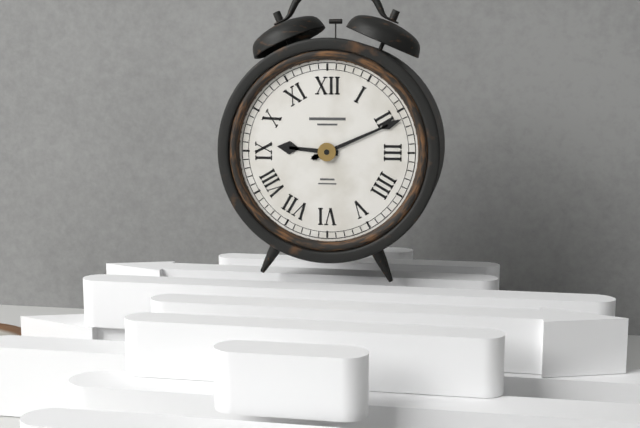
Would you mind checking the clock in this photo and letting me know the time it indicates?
9:11
